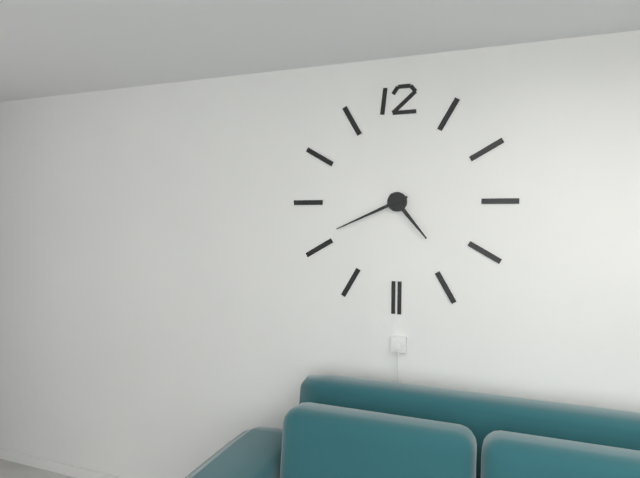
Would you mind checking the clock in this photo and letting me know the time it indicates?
4:41
